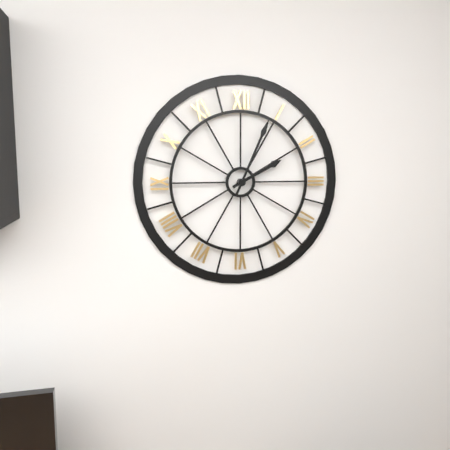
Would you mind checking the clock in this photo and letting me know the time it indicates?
2:04
